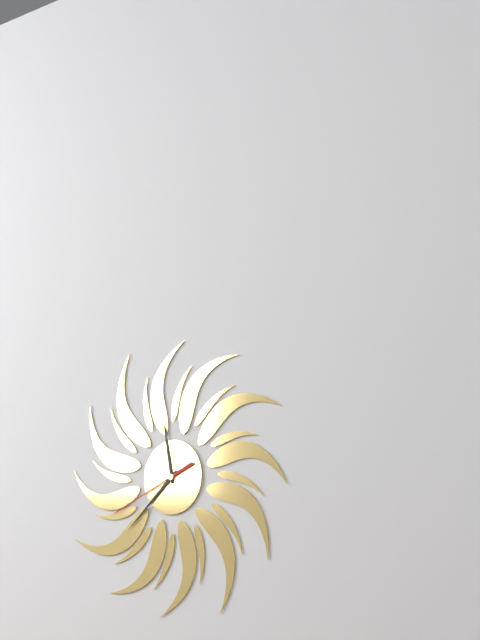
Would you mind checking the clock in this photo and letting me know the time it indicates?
11:38:41
